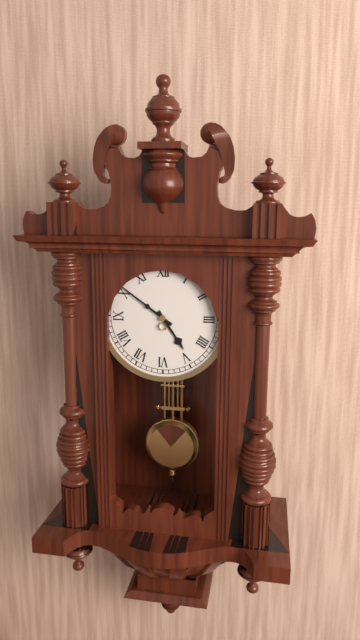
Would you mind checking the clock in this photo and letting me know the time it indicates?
4:51
